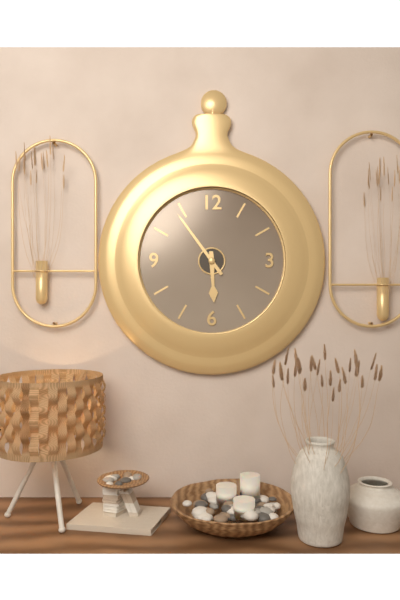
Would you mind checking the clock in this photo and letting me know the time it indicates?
5:54
